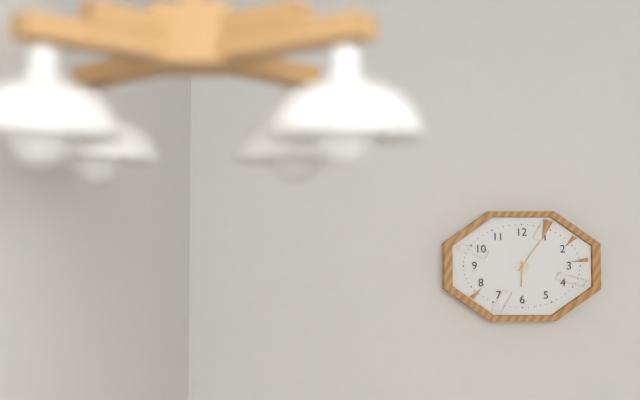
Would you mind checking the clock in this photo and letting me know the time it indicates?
6:06
